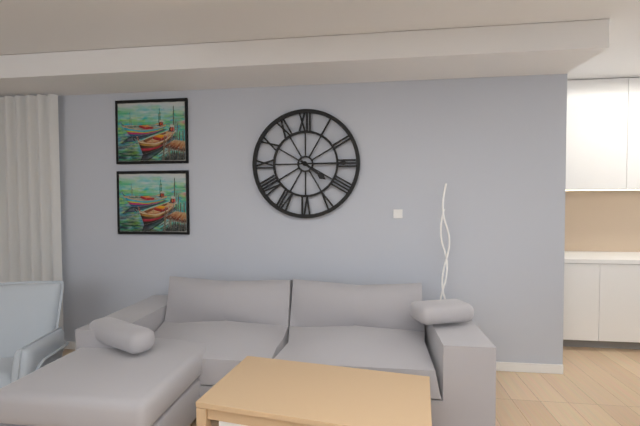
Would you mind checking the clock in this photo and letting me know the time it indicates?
4:15
